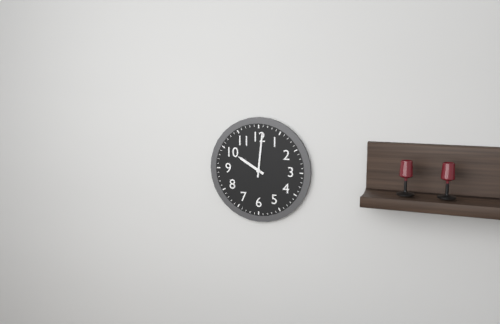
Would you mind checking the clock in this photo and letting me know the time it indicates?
10:01
